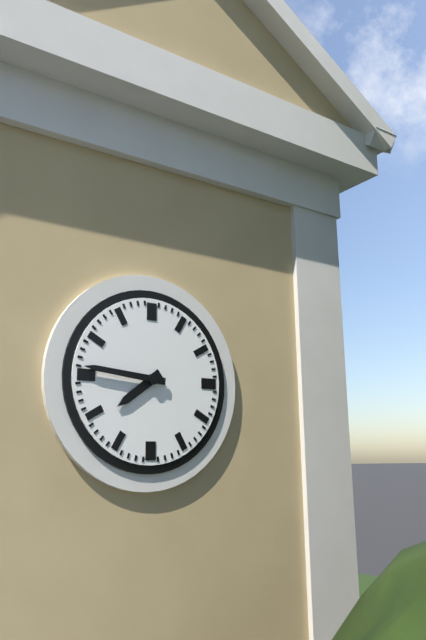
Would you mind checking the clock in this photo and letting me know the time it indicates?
7:46
